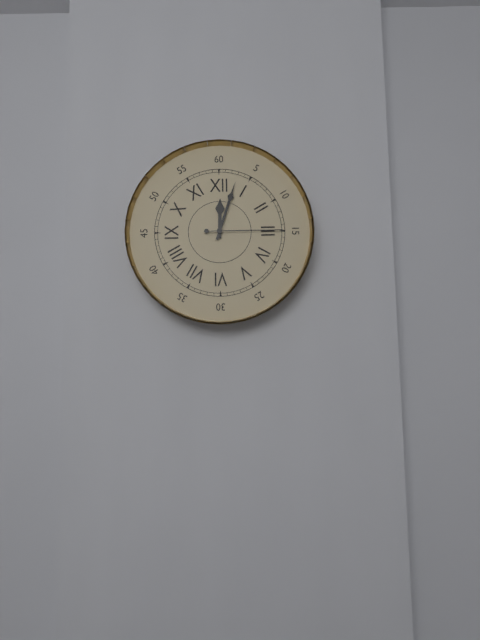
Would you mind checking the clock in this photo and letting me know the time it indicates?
12:03:15
